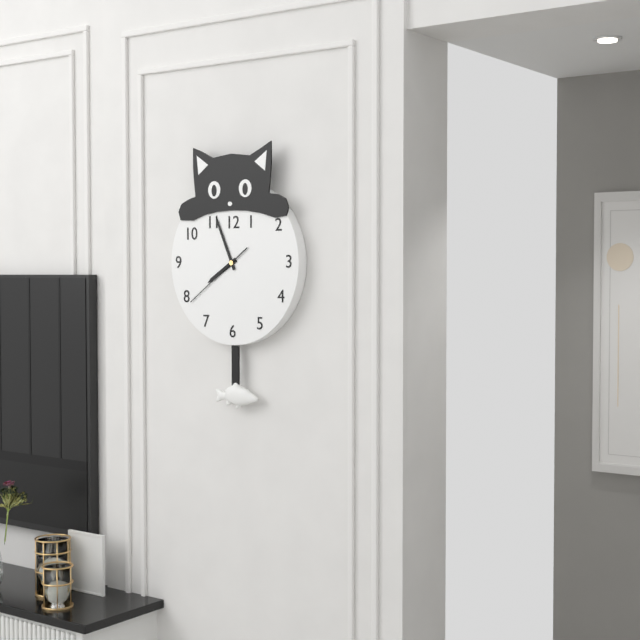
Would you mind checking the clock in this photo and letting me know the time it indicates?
7:56:39
